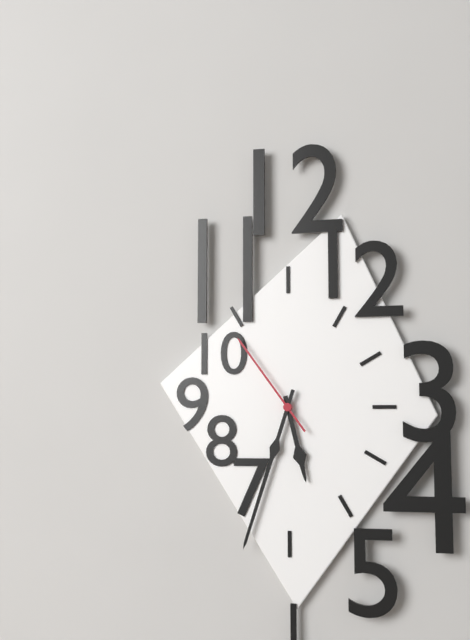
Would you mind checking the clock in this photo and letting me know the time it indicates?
5:33:54
